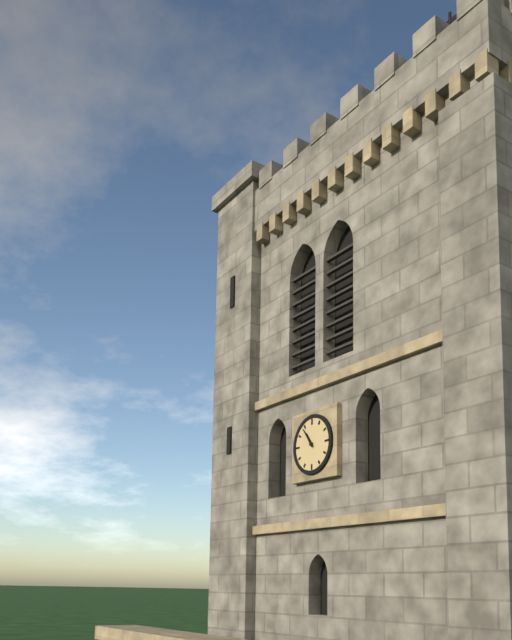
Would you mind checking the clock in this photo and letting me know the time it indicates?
10:54
